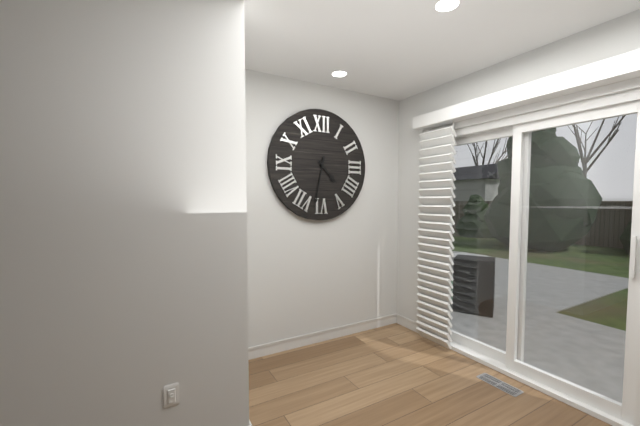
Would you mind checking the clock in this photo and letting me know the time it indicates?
4:32
